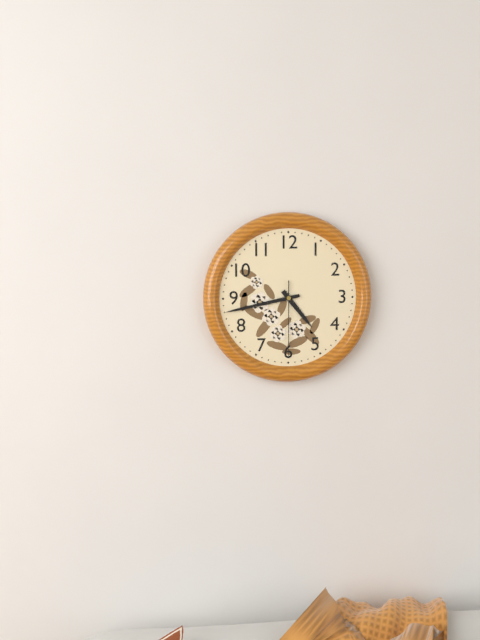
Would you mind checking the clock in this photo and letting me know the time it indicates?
4:43:30
